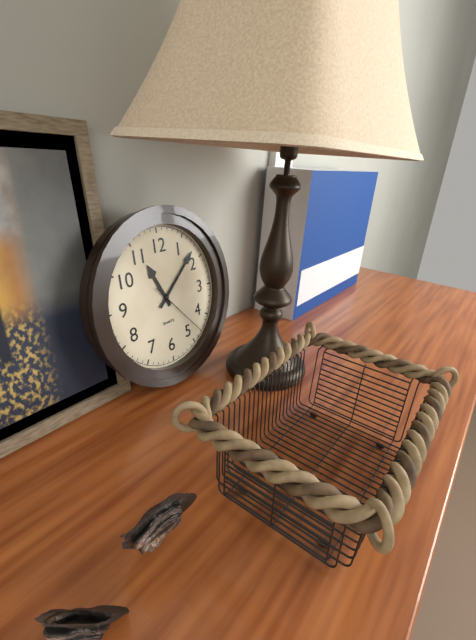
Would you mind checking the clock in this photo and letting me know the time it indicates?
11:08:23
